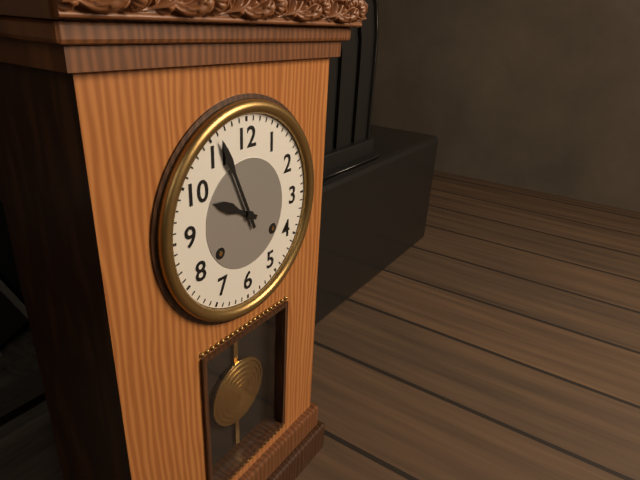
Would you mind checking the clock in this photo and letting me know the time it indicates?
9:56
